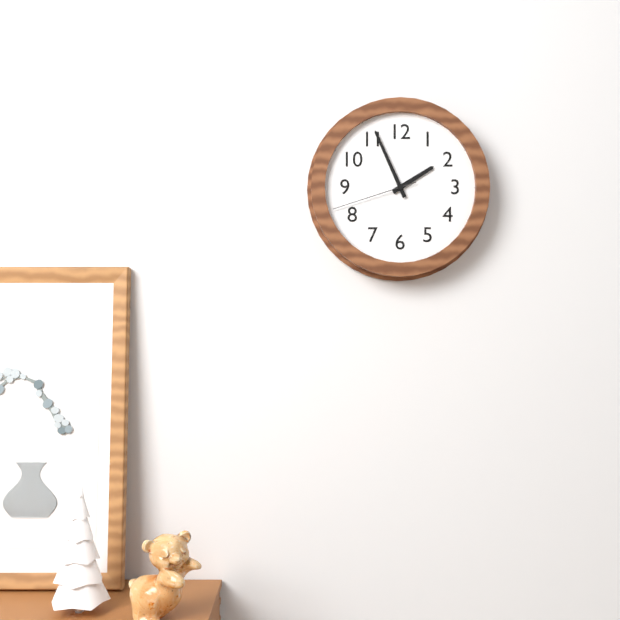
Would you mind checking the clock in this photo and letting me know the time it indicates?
1:56:42
